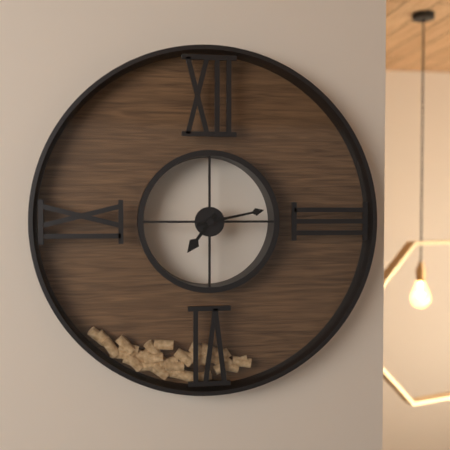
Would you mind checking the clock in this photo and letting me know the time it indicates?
7:13
